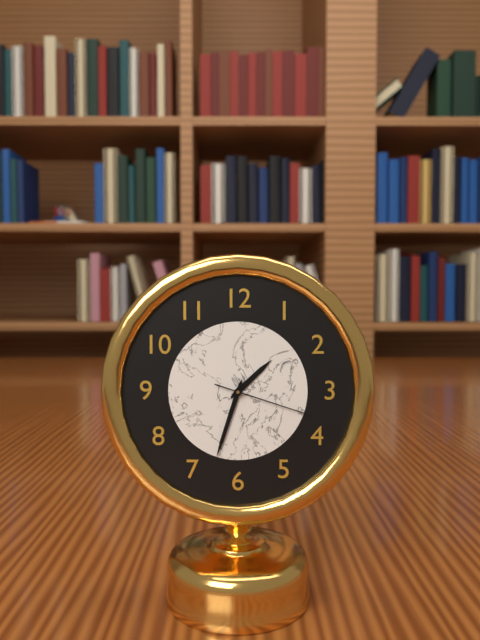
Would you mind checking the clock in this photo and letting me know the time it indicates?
1:33:18
